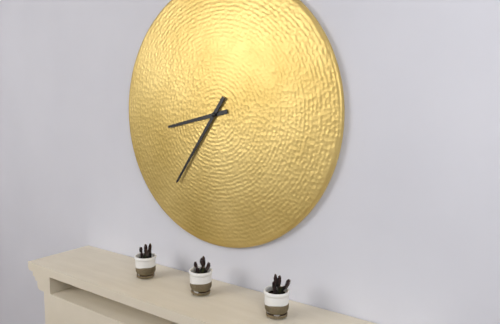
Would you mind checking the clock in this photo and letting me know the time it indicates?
8:36
